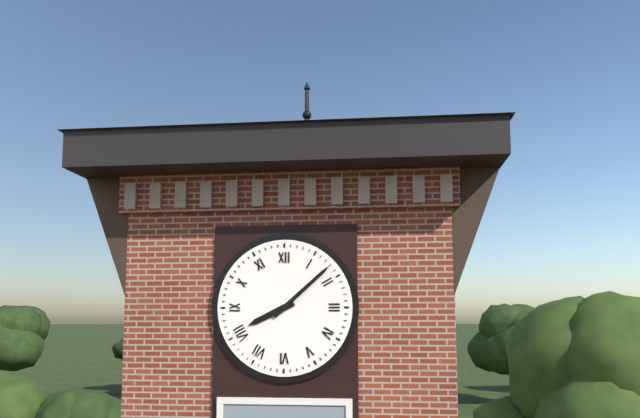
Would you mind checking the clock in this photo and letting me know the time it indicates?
8:08
